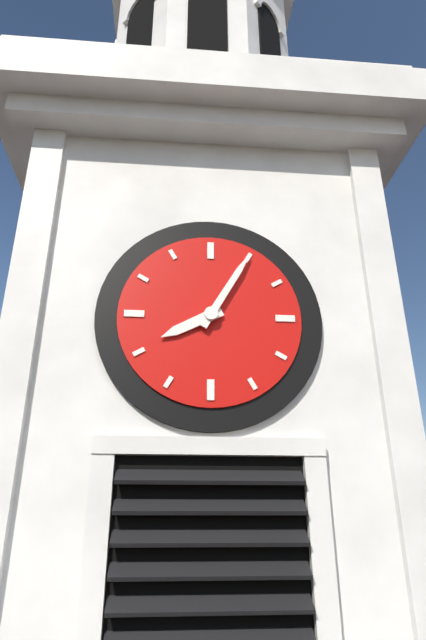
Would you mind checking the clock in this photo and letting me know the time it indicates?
8:05
